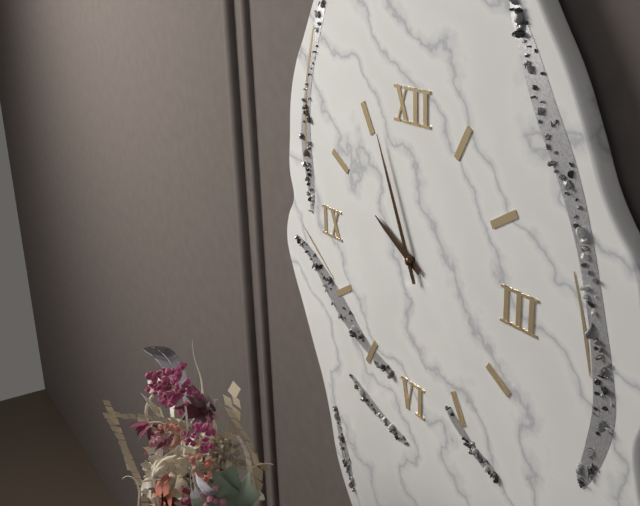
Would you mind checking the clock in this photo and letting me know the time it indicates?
9:56
